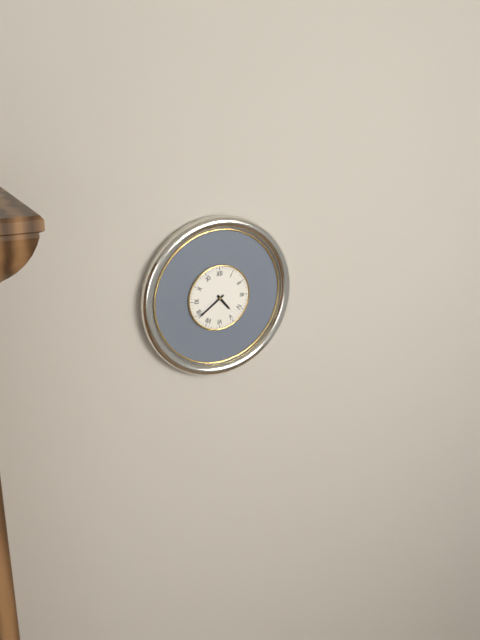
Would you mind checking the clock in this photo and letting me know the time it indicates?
4:39
